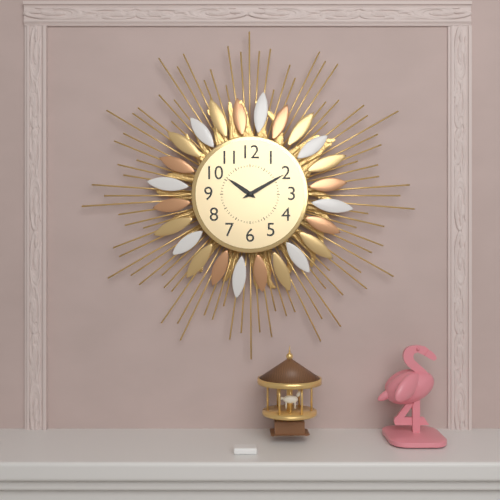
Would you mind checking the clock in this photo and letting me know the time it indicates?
10:10
